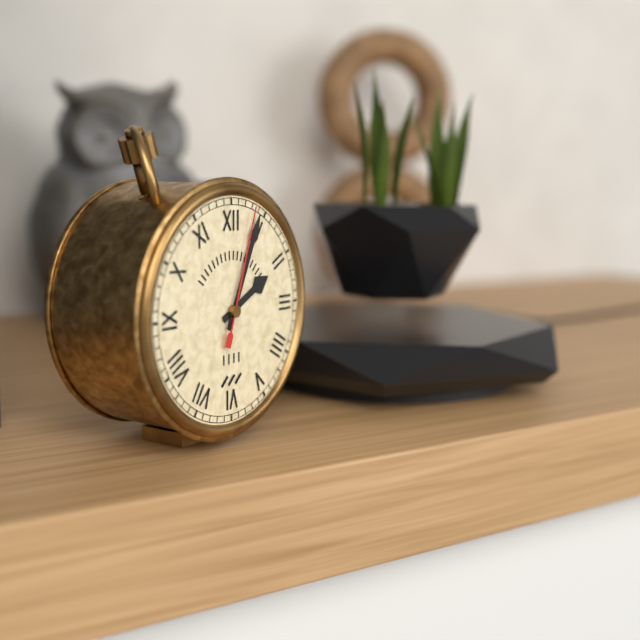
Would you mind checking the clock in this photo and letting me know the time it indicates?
2:04:03
